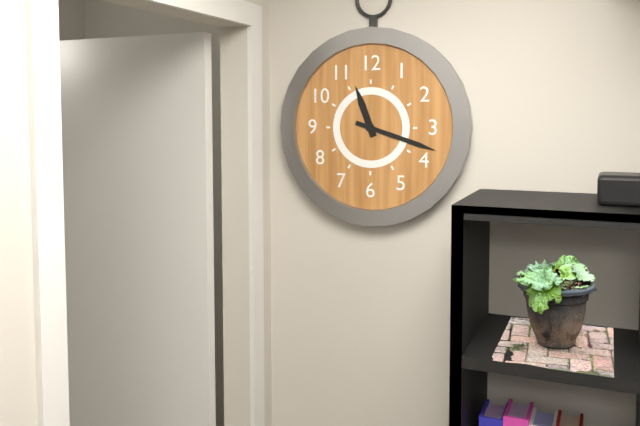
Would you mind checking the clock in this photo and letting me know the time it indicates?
11:18
